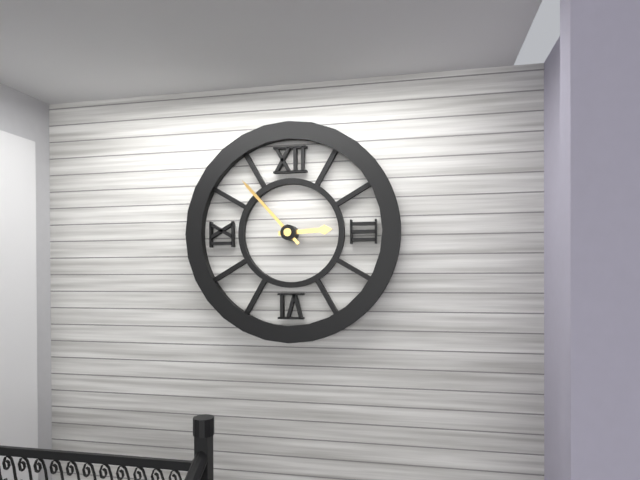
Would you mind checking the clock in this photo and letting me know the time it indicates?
2:53
